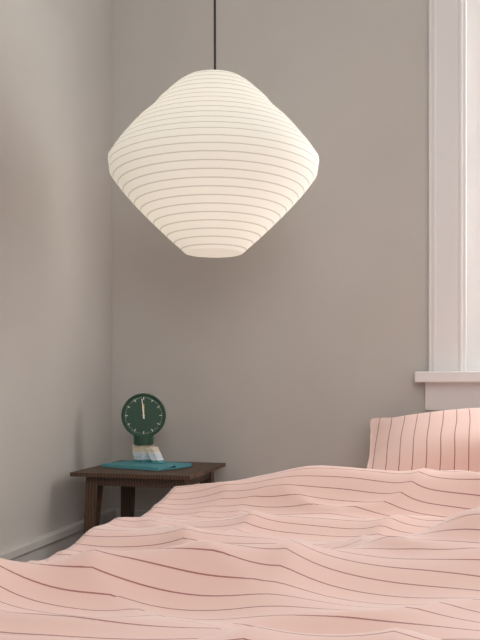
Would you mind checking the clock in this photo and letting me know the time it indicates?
11:59
